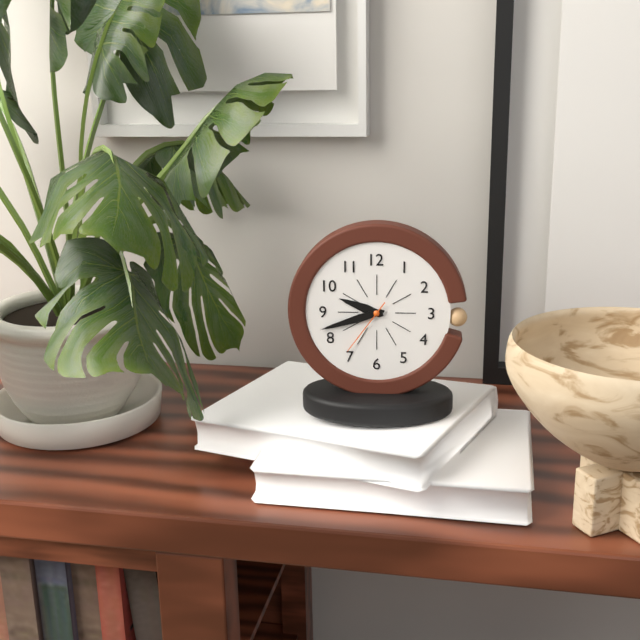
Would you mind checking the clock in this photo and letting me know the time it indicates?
9:42:36
